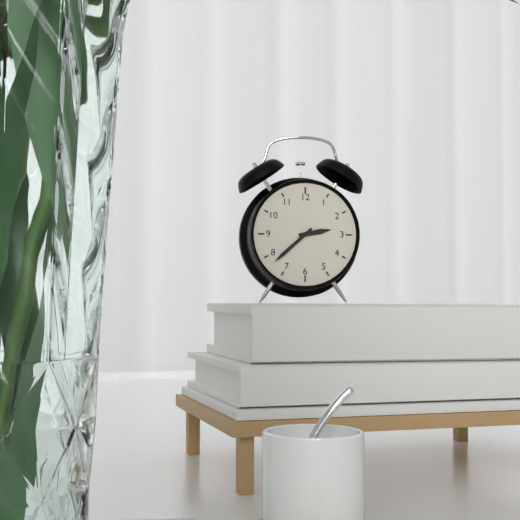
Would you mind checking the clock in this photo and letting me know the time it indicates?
2:38
